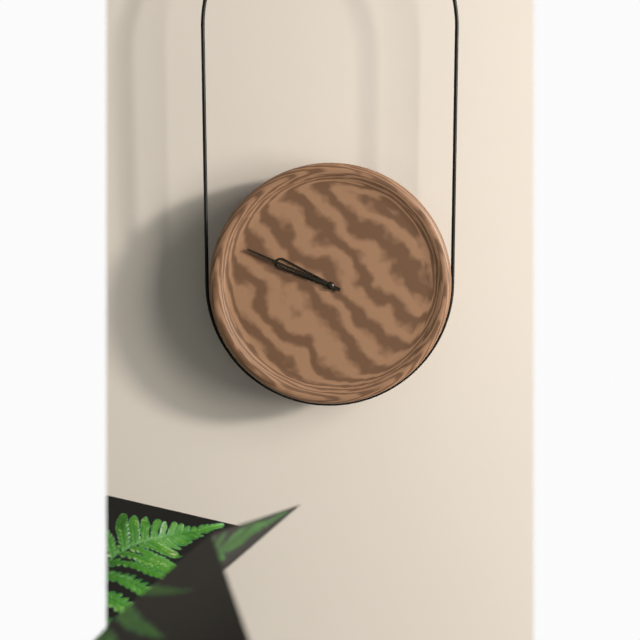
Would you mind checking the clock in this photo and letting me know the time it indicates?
9:49
